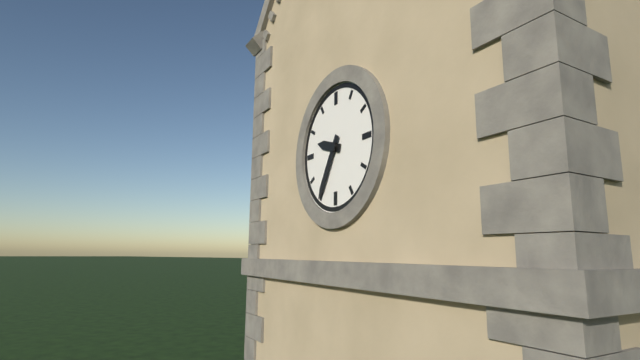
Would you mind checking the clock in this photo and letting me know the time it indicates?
9:35
